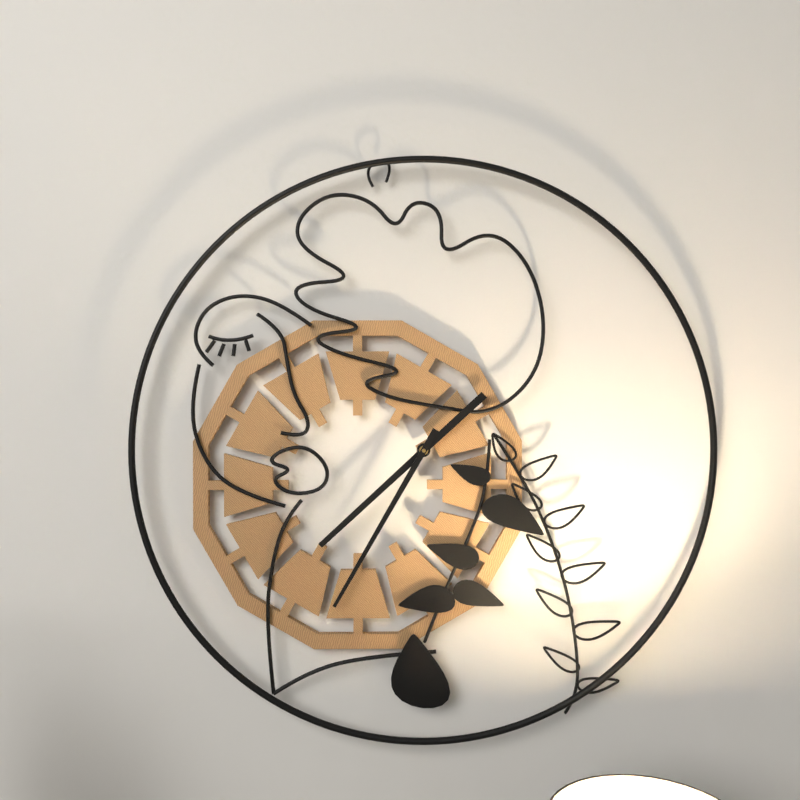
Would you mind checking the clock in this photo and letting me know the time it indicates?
7:35
